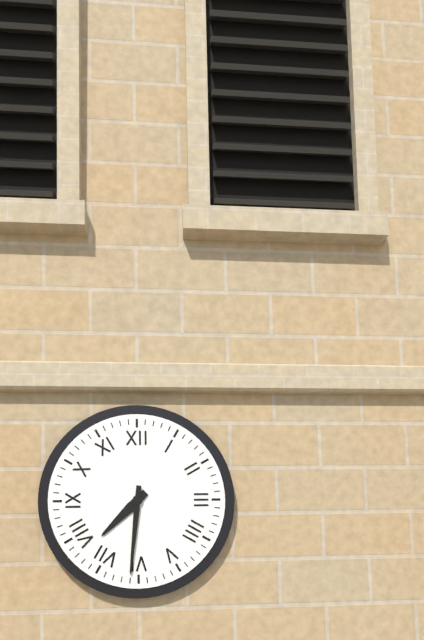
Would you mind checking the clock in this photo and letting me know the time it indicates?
7:31
